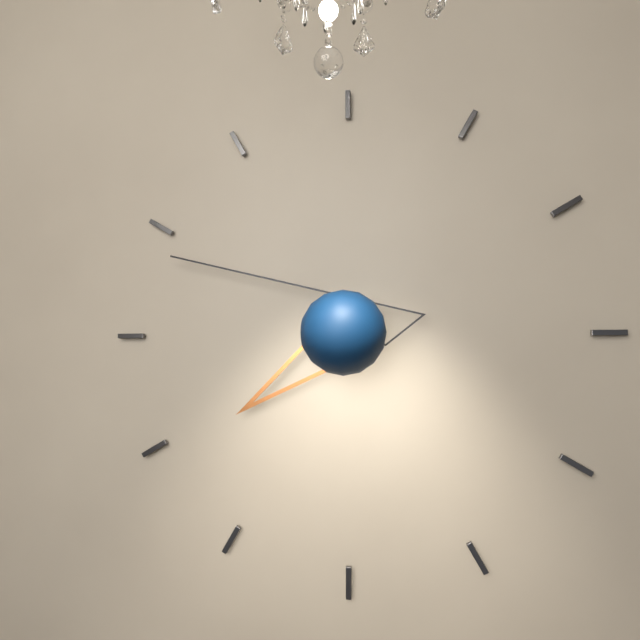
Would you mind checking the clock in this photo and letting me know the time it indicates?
7:49
